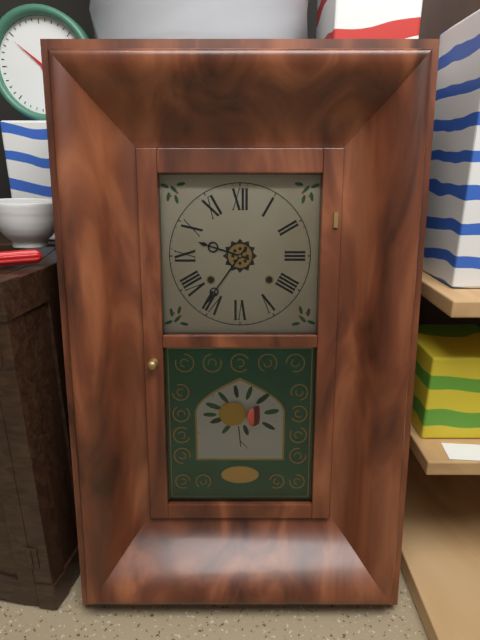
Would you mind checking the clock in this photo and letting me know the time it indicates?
9:36
